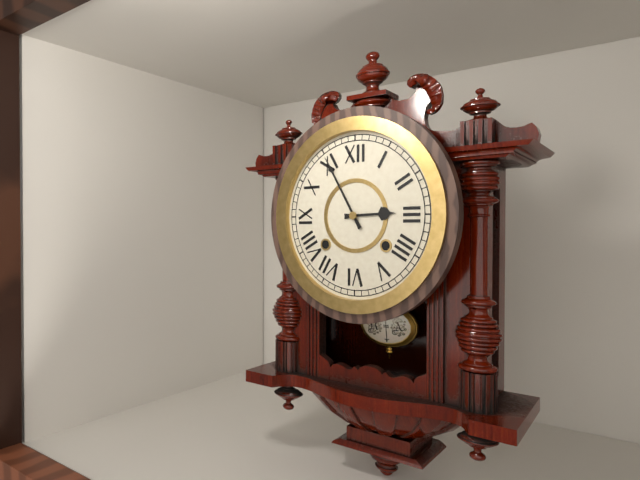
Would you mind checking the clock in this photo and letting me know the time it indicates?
2:55
